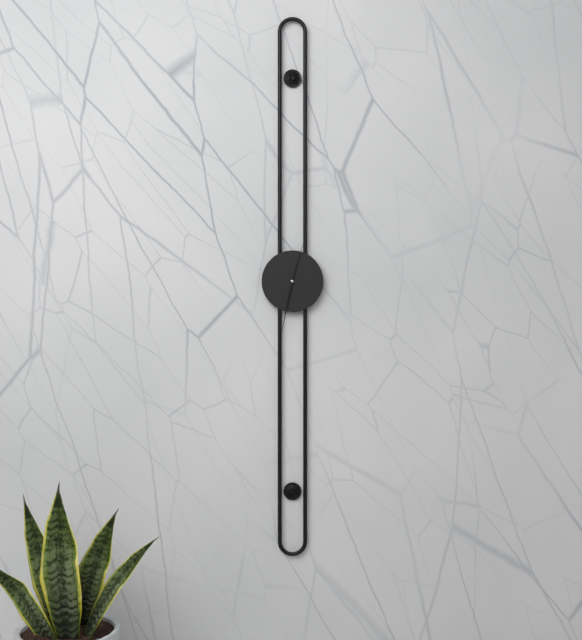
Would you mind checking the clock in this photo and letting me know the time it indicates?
12:32
